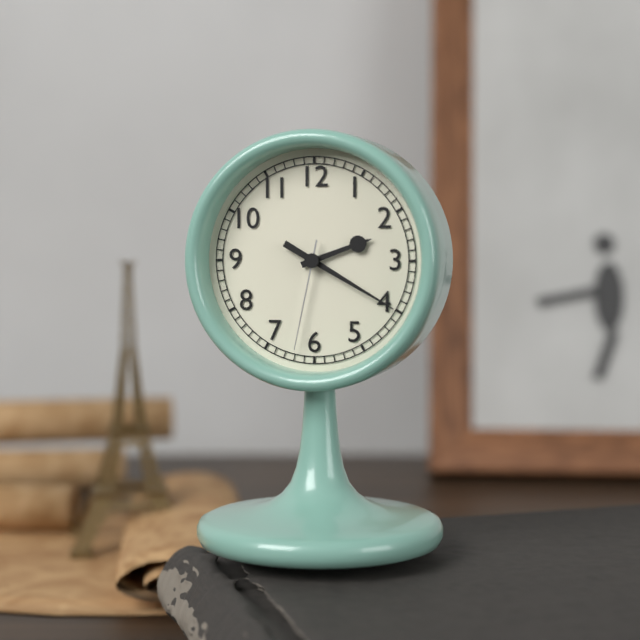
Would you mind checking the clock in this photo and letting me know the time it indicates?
2:20:32
